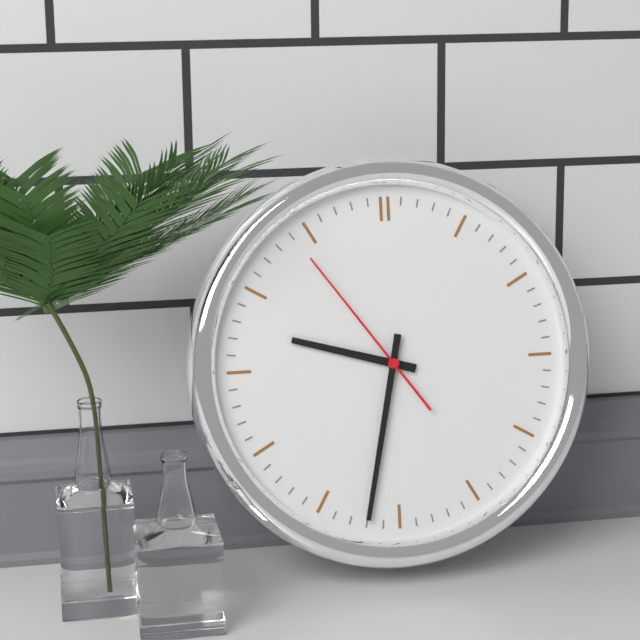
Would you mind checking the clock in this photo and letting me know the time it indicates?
9:32:54
